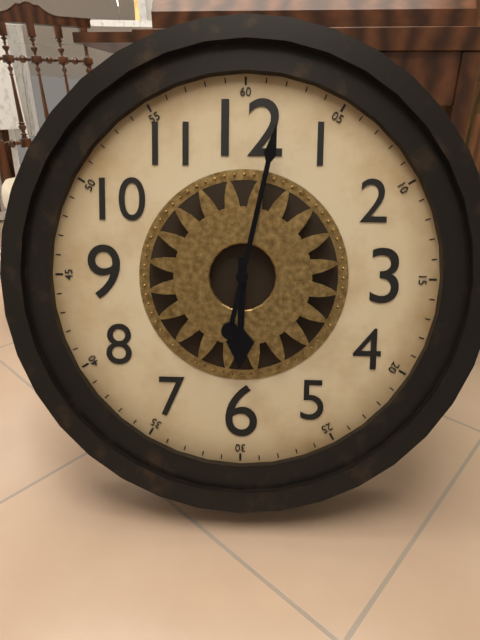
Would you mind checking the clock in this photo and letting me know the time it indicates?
6:02
